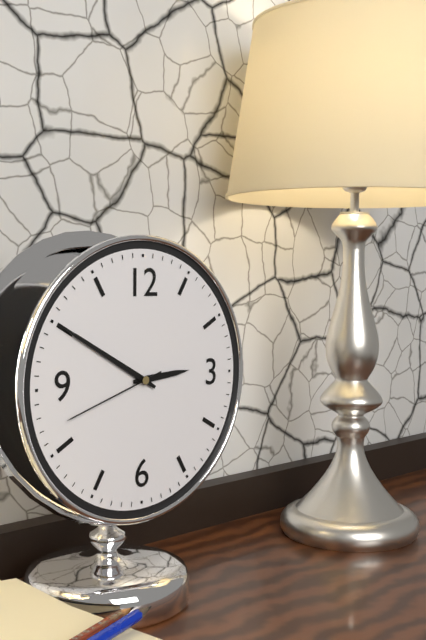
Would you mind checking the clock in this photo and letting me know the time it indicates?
2:50:42
